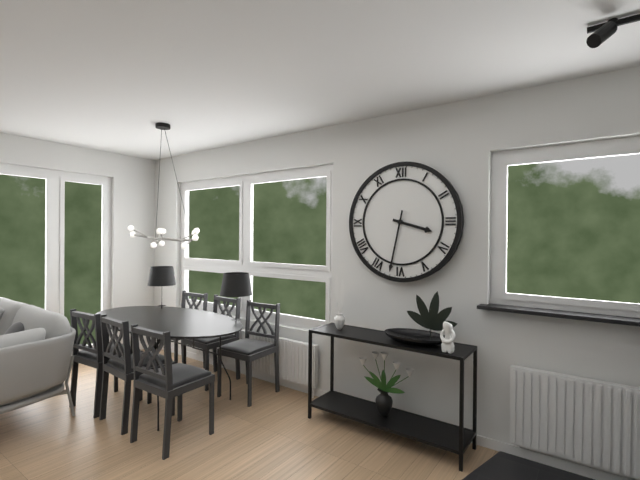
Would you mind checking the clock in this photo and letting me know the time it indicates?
3:32
